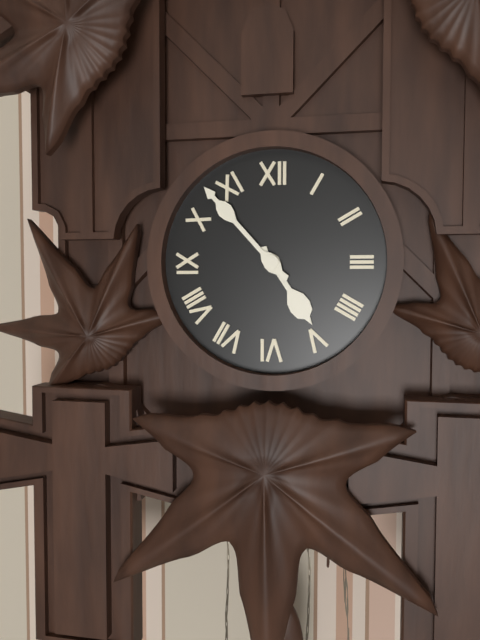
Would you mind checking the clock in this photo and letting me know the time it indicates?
4:53
